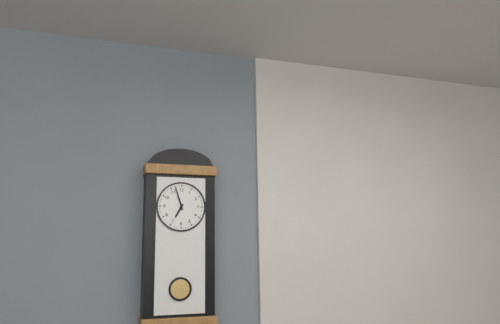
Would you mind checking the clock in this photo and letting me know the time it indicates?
6:57
